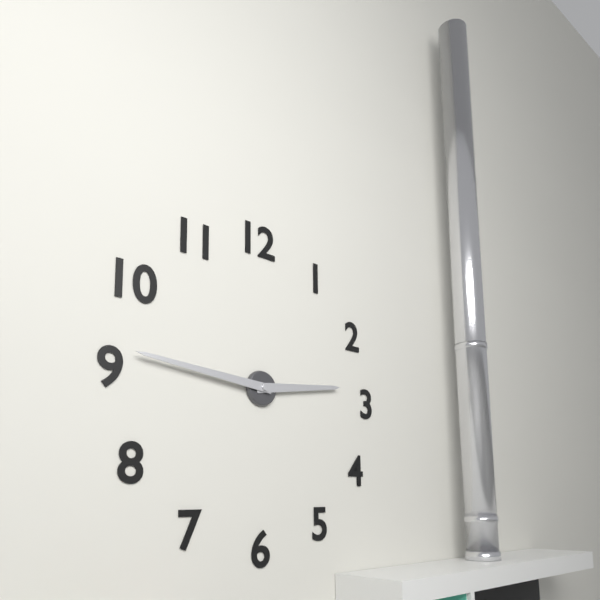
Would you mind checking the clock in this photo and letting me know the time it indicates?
2:46
